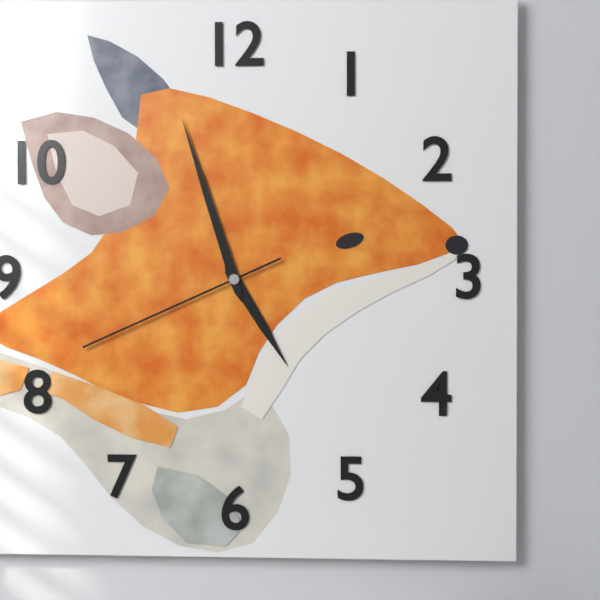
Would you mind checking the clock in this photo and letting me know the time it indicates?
4:57:41
